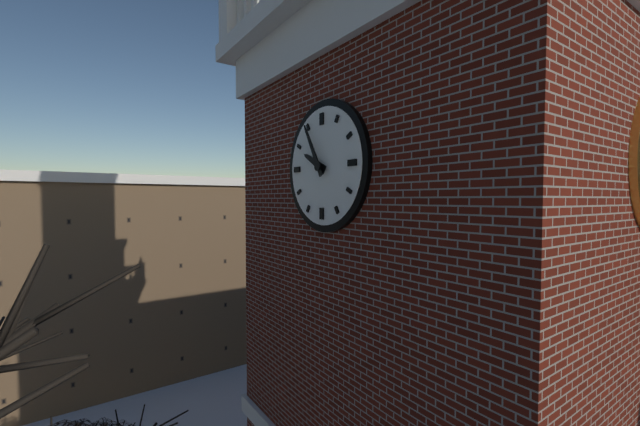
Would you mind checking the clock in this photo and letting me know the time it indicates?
9:55
